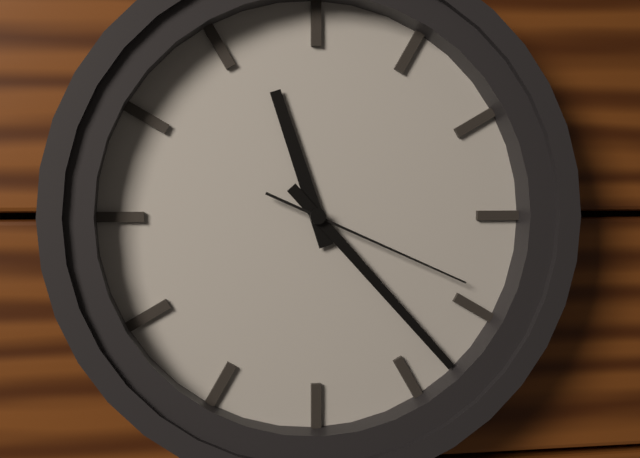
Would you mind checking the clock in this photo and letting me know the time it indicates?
11:23:19
